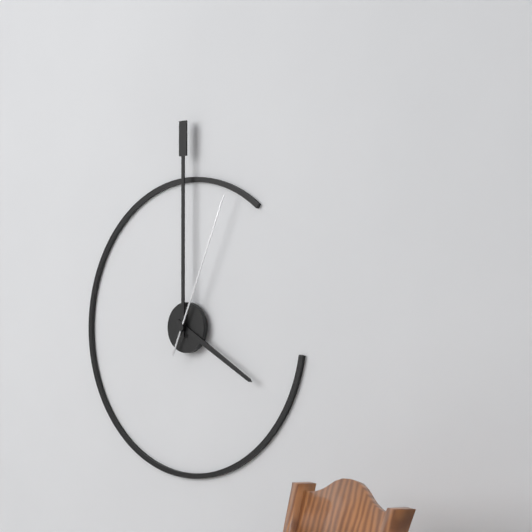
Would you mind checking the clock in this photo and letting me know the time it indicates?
4:00:04
